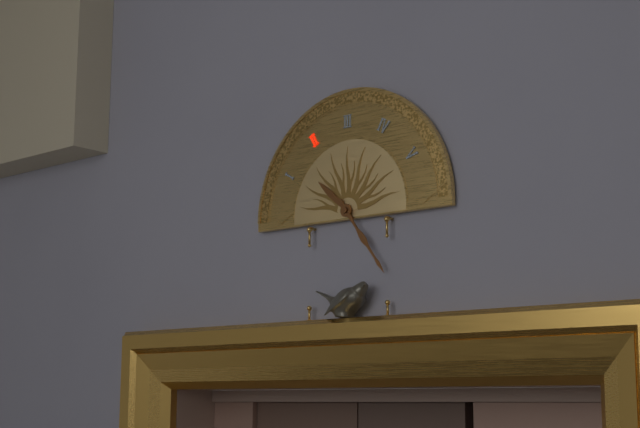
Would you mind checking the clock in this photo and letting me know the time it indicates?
10:24
